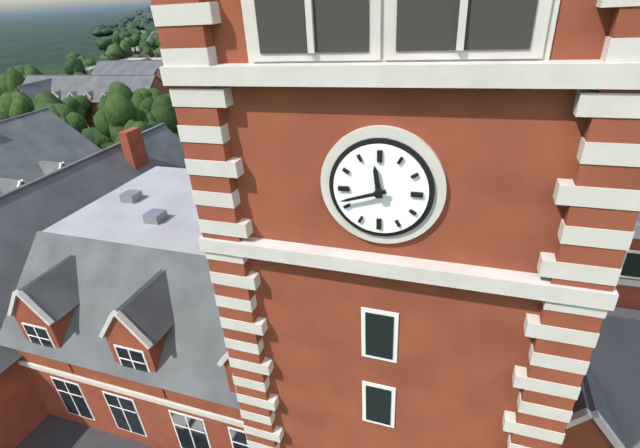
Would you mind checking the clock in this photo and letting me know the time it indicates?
11:42
